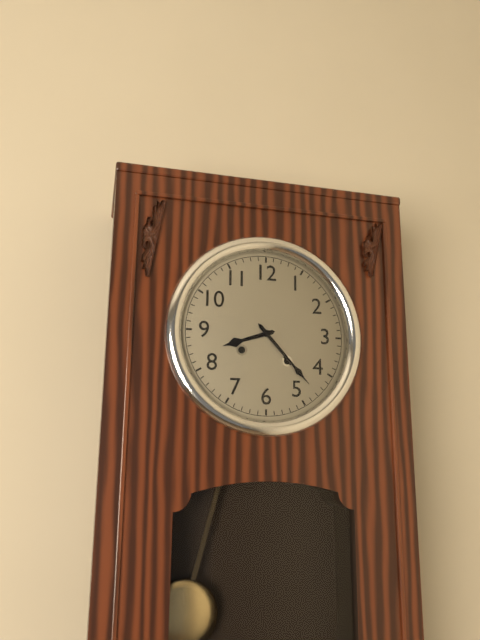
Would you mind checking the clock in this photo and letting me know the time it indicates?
8:23
